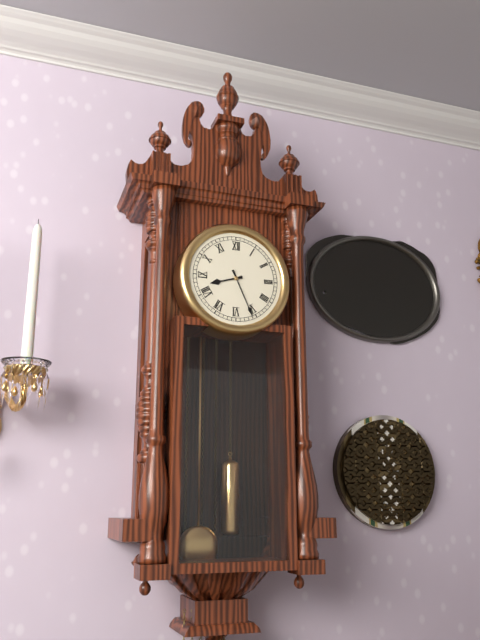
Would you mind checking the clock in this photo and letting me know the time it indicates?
8:26
